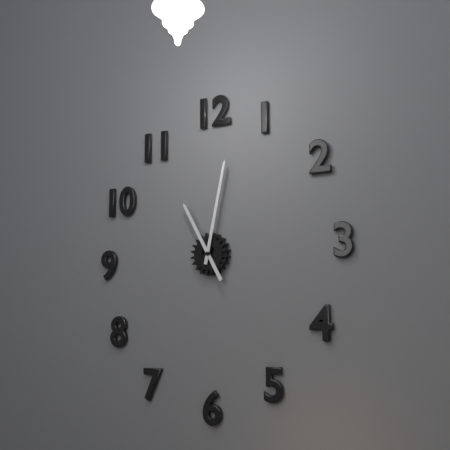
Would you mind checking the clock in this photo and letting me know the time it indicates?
11:02
